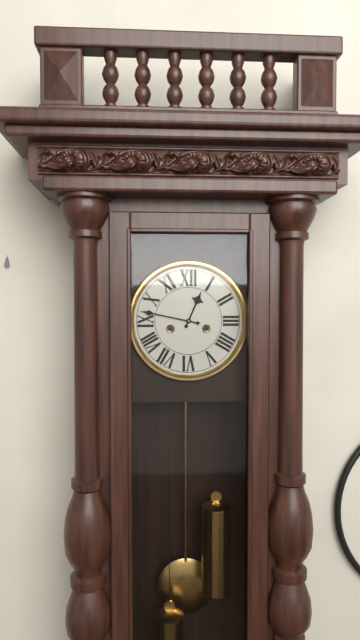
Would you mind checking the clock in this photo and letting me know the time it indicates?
12:47
